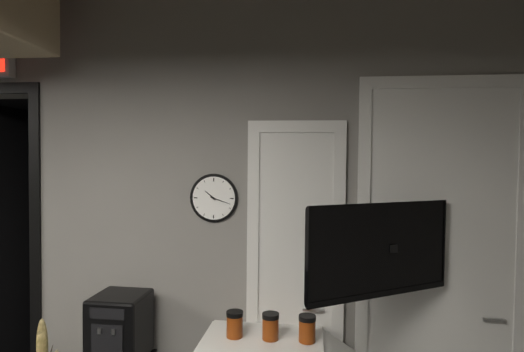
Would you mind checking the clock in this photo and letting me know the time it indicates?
10:18
